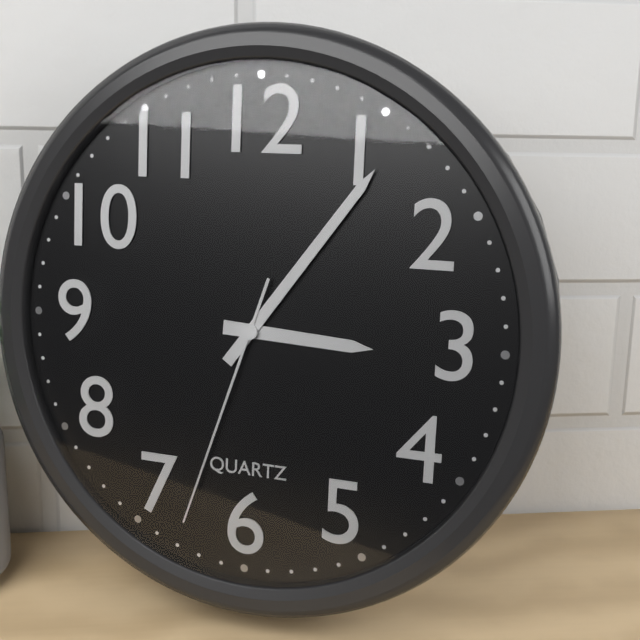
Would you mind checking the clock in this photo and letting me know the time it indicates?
3:06:33
